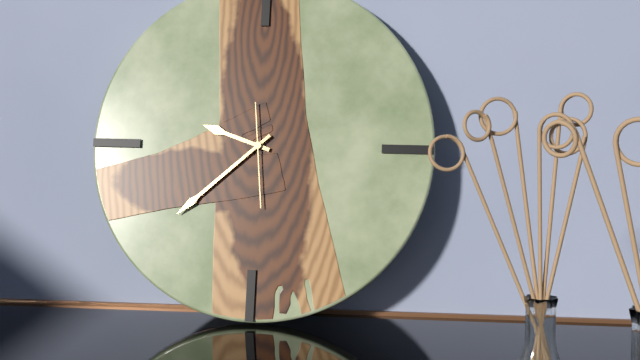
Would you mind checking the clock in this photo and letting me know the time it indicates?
9:38:29
